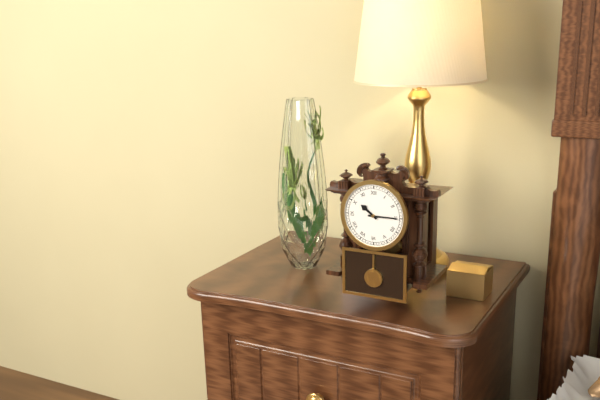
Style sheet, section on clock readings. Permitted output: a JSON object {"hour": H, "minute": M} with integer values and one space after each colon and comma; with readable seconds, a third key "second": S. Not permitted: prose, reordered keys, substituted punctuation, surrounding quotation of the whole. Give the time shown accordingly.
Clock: {"hour": 10, "minute": 15}
